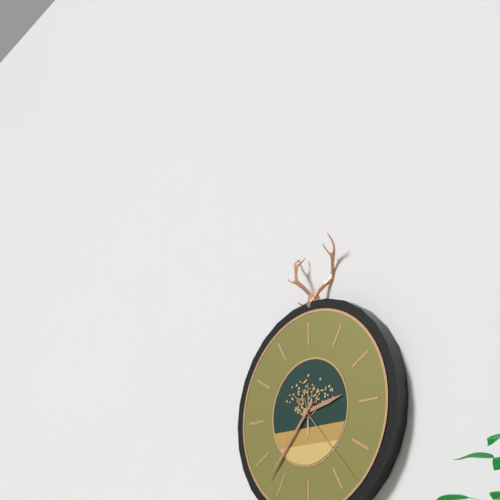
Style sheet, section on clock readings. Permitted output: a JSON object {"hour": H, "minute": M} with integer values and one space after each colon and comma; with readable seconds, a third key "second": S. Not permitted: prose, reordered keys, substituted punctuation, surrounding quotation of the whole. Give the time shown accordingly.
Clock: {"hour": 2, "minute": 37, "second": 23}
